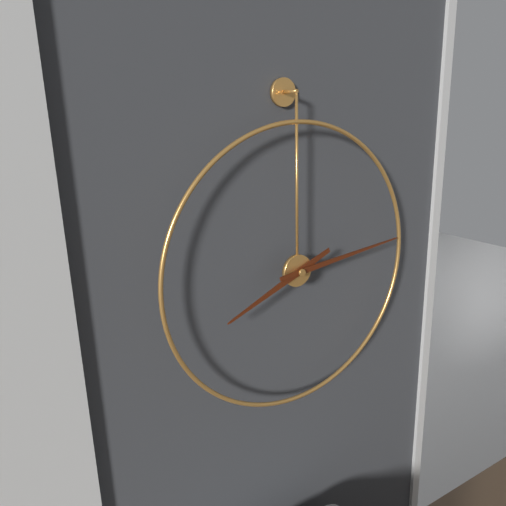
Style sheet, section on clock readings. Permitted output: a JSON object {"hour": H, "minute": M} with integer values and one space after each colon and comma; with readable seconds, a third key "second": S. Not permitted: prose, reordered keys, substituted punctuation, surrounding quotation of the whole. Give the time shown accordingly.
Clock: {"hour": 8, "minute": 14}
